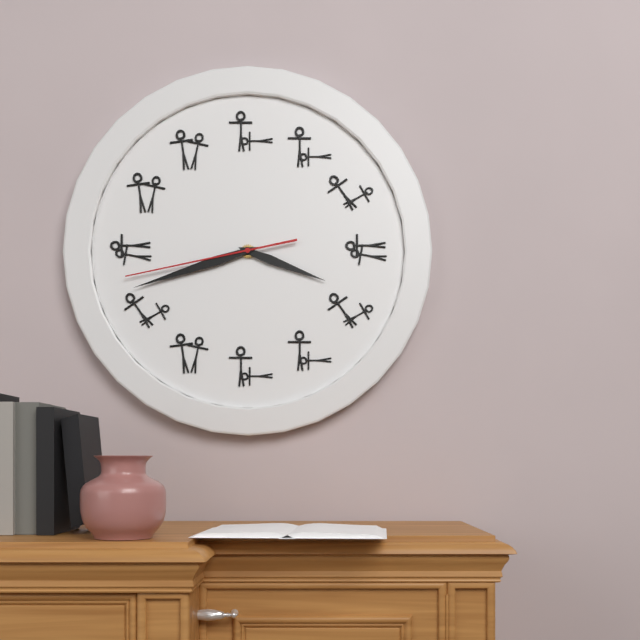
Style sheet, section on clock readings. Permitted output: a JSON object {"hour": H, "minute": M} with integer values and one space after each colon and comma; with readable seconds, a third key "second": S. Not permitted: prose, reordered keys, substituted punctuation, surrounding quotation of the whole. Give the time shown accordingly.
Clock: {"hour": 3, "minute": 42, "second": 43}
